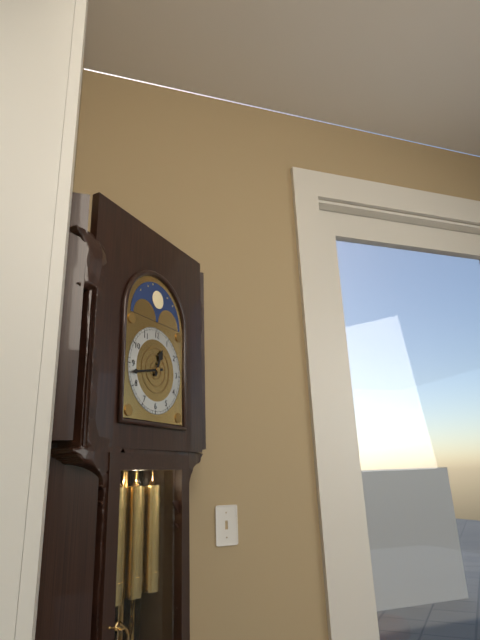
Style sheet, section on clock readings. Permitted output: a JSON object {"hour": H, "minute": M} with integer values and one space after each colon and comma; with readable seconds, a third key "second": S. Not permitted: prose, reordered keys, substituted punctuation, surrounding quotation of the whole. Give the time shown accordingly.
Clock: {"hour": 12, "minute": 43}
